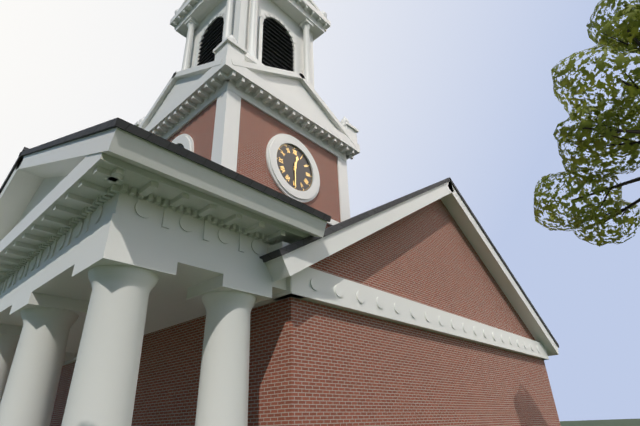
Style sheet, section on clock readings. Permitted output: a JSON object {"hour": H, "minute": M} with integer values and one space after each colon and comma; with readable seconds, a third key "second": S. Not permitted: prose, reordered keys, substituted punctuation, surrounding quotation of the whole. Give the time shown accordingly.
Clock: {"hour": 12, "minute": 30}
